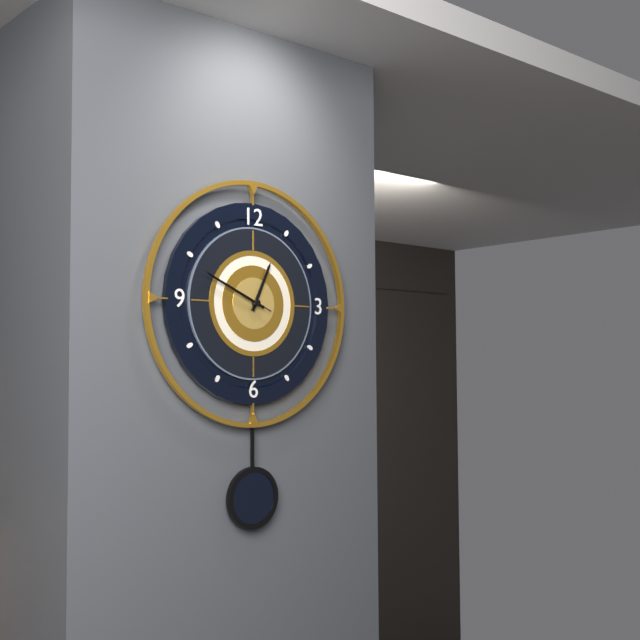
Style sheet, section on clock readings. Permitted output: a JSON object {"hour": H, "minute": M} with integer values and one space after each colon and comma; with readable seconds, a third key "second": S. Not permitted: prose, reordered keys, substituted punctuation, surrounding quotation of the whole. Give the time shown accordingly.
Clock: {"hour": 12, "minute": 49, "second": 49}
